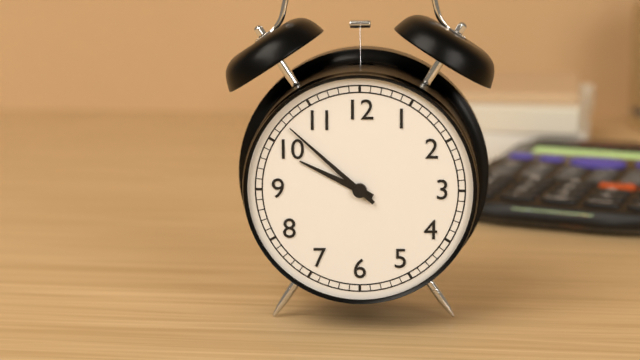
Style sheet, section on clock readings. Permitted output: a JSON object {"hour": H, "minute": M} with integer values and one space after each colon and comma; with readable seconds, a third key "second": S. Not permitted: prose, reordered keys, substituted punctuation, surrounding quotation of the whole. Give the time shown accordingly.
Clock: {"hour": 9, "minute": 52}
